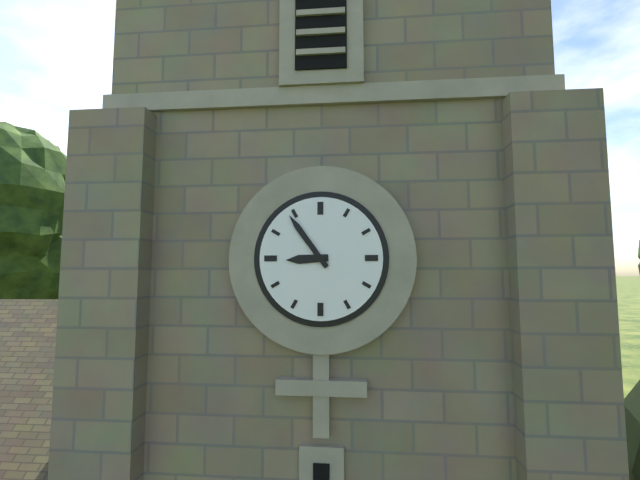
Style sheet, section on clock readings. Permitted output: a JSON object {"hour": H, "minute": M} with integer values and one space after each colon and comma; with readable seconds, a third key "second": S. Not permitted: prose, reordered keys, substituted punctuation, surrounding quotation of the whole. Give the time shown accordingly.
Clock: {"hour": 8, "minute": 54}
